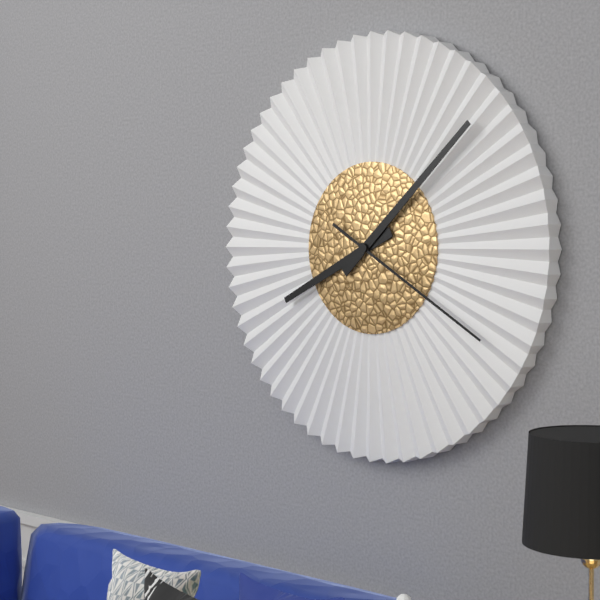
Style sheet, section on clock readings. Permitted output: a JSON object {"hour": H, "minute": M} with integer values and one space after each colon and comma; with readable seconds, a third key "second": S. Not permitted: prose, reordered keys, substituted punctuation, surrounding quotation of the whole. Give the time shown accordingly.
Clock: {"hour": 8, "minute": 8, "second": 20}
